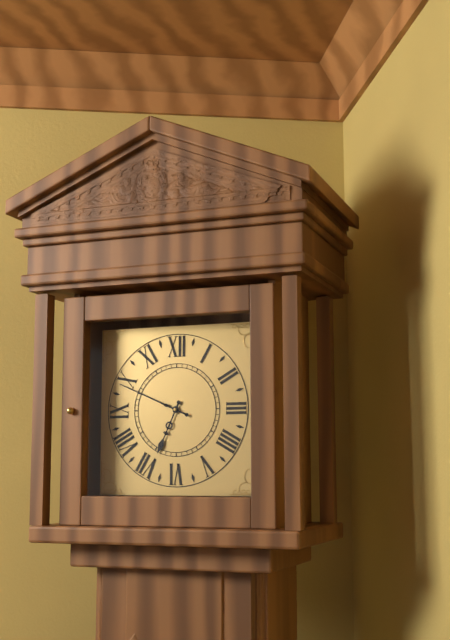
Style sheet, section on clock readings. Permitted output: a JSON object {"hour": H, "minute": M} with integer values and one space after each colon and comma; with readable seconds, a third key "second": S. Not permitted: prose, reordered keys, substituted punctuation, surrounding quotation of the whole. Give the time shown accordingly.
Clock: {"hour": 6, "minute": 49}
